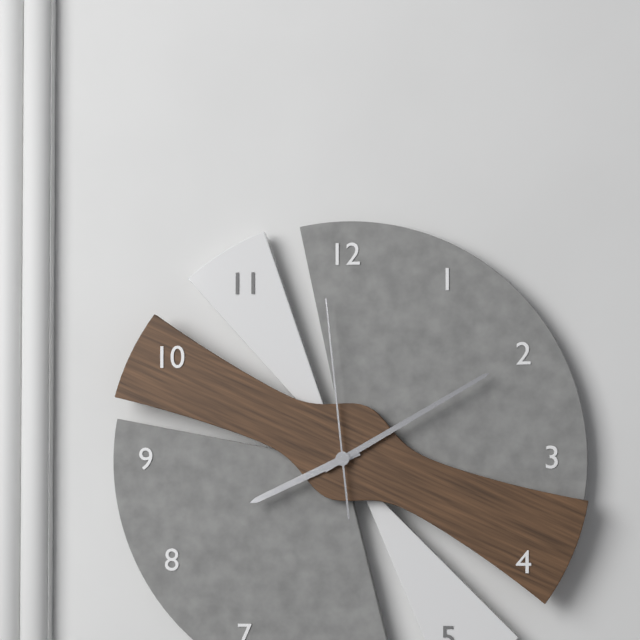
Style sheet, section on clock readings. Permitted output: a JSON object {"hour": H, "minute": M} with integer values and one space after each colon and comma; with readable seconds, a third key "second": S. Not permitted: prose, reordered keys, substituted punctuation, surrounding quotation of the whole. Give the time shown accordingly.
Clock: {"hour": 8, "minute": 10, "second": 59}
